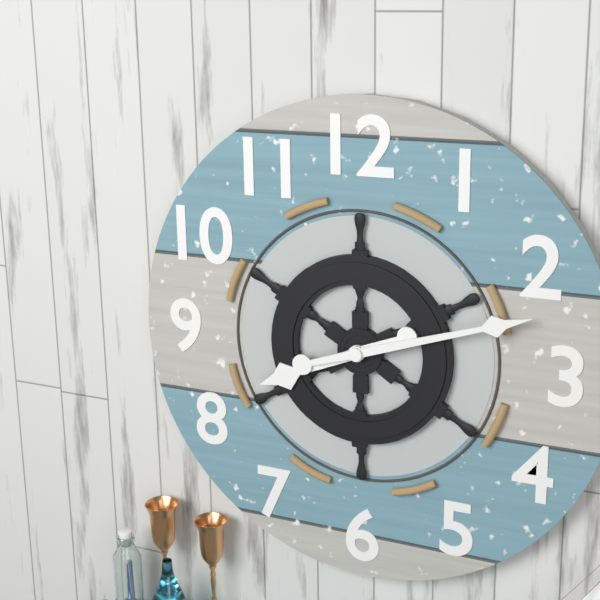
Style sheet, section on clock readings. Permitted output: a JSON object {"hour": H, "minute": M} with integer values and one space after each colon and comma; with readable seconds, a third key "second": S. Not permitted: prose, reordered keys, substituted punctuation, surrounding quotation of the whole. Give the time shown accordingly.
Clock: {"hour": 8, "minute": 12}
